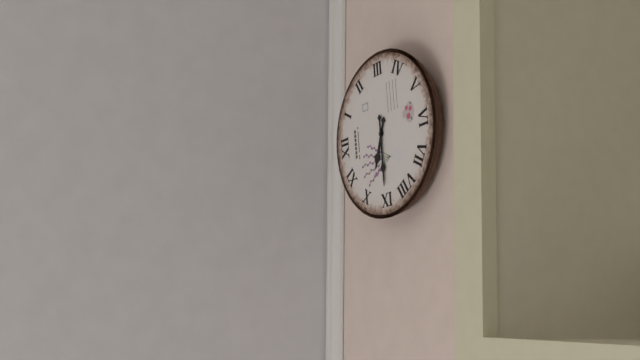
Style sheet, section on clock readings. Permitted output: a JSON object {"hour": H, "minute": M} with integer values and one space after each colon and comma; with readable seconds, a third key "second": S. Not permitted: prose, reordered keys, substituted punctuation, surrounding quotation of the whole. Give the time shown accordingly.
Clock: {"hour": 9, "minute": 45}
